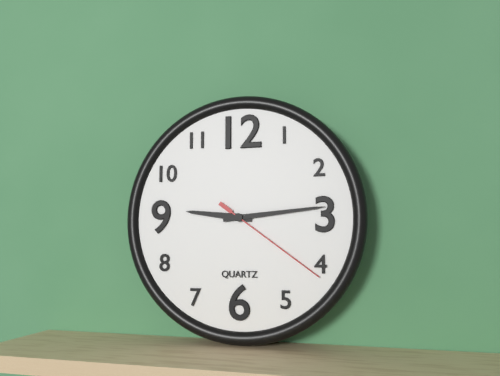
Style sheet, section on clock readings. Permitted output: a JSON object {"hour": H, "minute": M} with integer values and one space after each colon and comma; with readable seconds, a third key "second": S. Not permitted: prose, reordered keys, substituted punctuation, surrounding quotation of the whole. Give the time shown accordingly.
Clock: {"hour": 9, "minute": 14, "second": 21}
